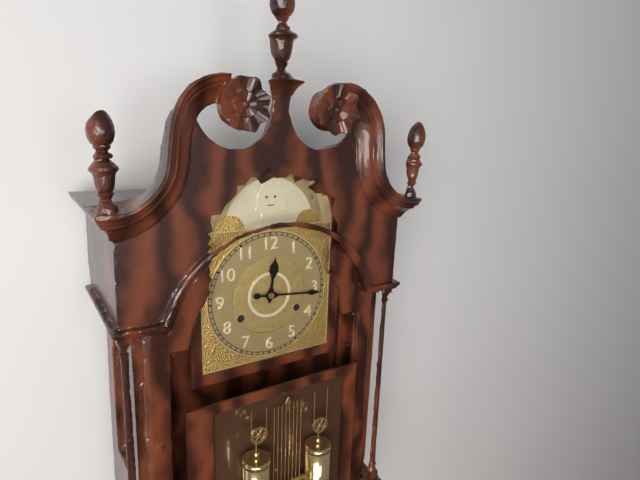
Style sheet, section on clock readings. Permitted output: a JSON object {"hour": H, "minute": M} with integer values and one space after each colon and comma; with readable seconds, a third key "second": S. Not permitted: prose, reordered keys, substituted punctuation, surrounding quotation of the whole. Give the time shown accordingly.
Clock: {"hour": 12, "minute": 16}
